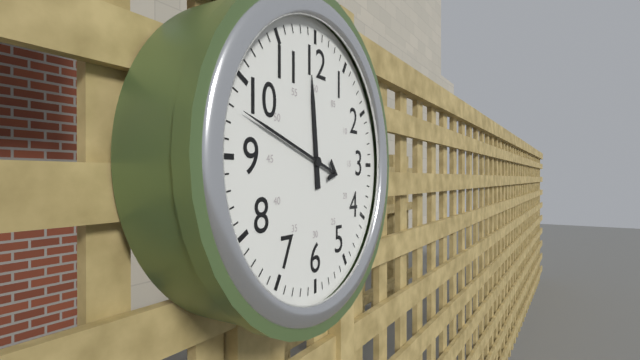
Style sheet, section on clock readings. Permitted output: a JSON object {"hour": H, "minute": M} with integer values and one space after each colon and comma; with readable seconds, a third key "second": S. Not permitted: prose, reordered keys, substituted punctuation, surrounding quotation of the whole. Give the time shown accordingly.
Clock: {"hour": 11, "minute": 48}
